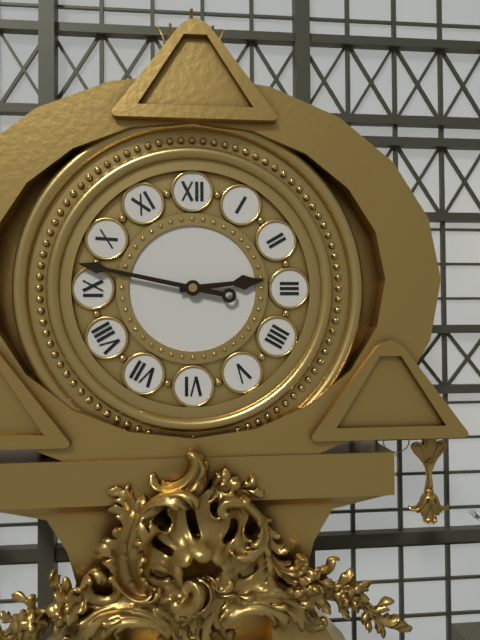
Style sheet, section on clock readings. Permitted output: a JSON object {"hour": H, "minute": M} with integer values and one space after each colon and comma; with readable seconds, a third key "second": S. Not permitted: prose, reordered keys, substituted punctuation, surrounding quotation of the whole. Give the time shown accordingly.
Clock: {"hour": 2, "minute": 47}
